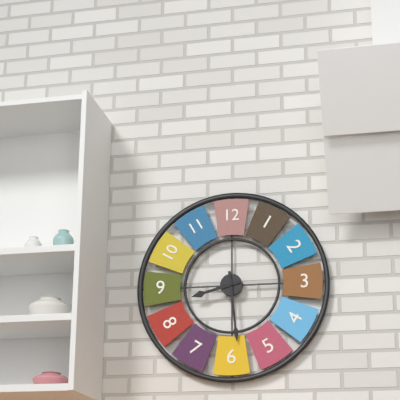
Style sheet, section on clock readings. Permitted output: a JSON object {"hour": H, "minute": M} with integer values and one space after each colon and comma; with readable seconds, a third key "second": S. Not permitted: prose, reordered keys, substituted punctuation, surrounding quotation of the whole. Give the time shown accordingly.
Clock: {"hour": 8, "minute": 29}
